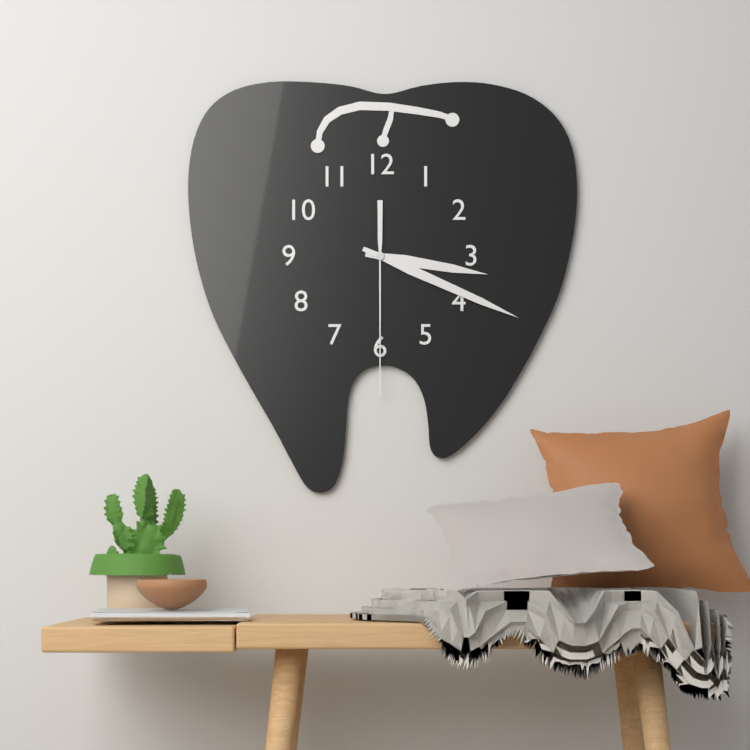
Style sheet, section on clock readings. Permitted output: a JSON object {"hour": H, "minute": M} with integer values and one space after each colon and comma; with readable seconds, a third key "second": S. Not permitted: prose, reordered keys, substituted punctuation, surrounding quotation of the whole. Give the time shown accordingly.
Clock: {"hour": 3, "minute": 19, "second": 30}
